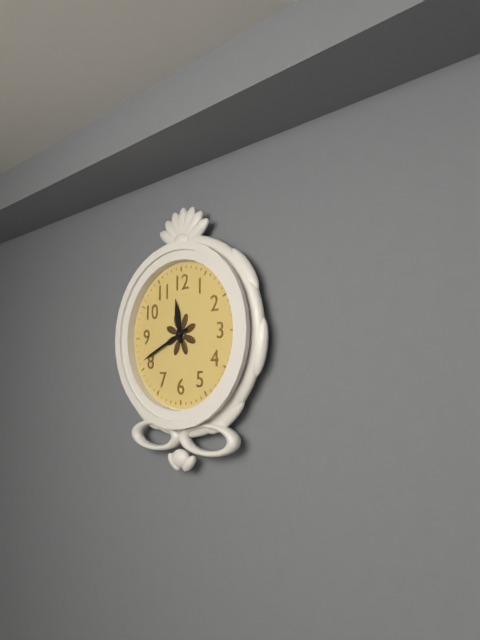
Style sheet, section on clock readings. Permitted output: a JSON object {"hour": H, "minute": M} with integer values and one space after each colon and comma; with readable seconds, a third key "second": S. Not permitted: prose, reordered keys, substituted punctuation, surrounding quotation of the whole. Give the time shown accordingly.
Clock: {"hour": 11, "minute": 41}
